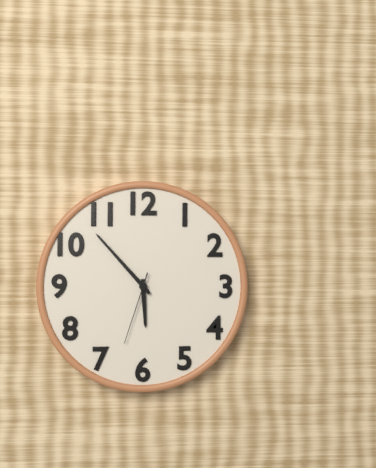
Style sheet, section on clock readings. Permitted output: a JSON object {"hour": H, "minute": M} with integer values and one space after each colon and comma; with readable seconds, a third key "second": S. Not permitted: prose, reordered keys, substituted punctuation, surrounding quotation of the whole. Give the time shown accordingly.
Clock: {"hour": 5, "minute": 53, "second": 33}
